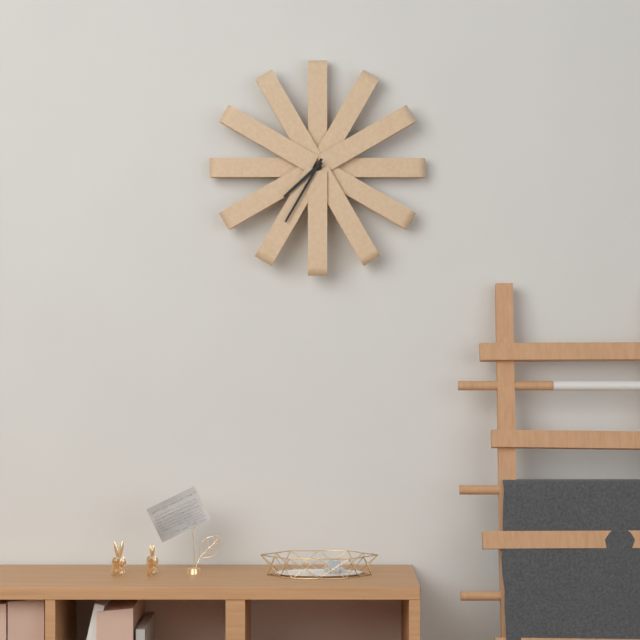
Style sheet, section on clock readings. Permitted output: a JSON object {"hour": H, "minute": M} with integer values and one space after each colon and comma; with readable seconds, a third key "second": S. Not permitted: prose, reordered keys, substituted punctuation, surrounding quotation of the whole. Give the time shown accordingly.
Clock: {"hour": 7, "minute": 35}
